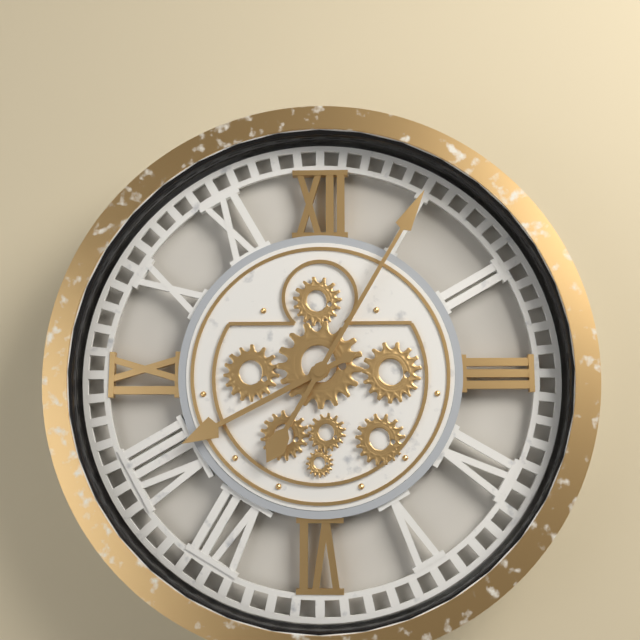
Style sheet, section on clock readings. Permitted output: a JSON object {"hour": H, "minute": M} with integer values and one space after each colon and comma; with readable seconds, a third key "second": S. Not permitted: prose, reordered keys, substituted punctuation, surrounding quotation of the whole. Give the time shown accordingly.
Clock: {"hour": 8, "minute": 5}
